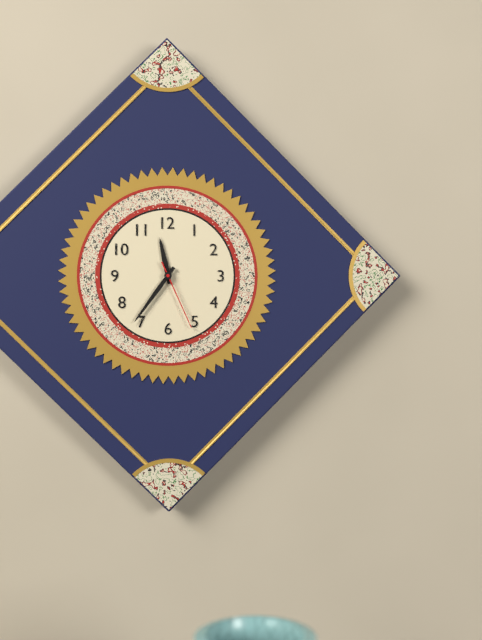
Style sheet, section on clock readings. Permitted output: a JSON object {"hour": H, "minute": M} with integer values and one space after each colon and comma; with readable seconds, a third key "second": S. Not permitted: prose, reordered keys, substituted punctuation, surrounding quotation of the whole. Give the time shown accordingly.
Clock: {"hour": 11, "minute": 36, "second": 26}
